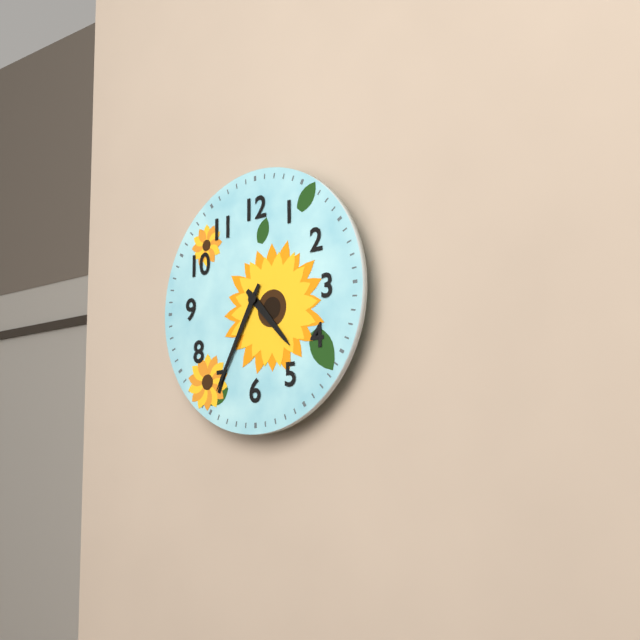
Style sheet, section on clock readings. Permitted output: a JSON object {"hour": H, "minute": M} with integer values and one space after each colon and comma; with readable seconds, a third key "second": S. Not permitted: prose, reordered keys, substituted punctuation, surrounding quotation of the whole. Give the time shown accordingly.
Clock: {"hour": 4, "minute": 35}
